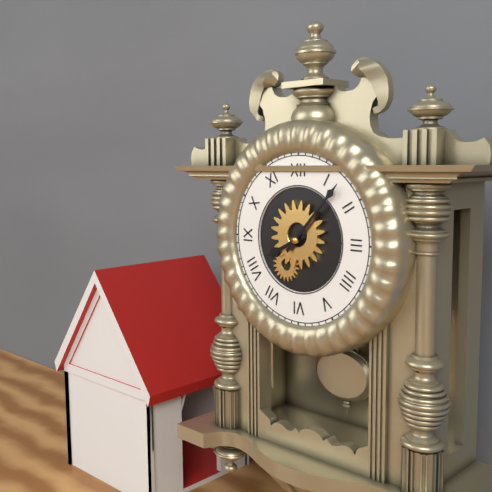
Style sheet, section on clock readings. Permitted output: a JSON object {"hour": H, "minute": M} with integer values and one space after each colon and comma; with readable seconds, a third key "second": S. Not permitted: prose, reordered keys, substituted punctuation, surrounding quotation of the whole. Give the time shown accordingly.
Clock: {"hour": 8, "minute": 7}
